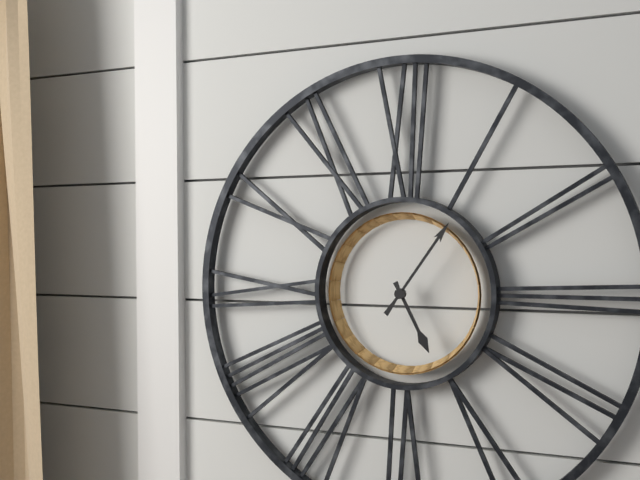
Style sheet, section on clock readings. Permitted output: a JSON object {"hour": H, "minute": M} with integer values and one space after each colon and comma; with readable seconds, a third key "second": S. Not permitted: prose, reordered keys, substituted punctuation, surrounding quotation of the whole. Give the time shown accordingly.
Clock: {"hour": 5, "minute": 6}
